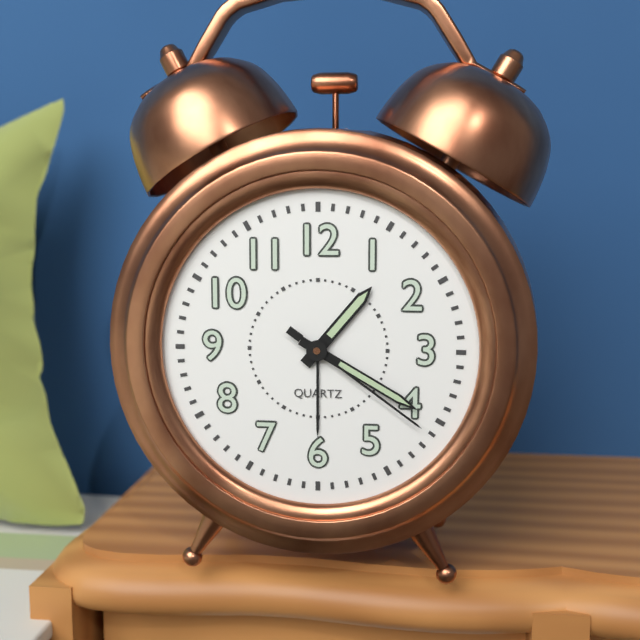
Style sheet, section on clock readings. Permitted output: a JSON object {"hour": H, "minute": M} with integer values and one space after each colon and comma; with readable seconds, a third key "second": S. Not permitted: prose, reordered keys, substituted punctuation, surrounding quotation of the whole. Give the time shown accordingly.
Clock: {"hour": 1, "minute": 20, "second": 21}
